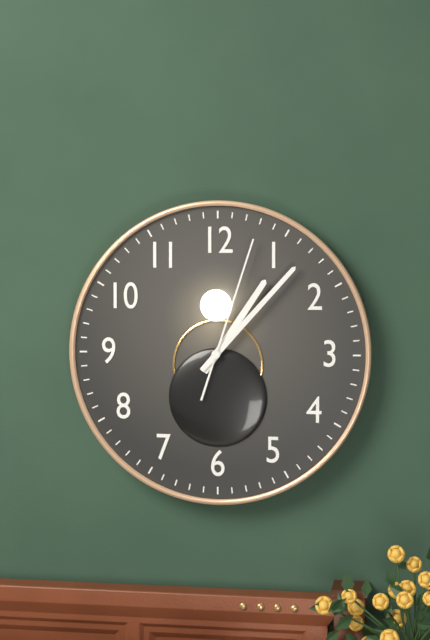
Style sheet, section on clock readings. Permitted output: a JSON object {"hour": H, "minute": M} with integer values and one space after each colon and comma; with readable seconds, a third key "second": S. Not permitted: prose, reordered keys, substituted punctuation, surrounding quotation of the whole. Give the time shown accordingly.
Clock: {"hour": 1, "minute": 7, "second": 3}
